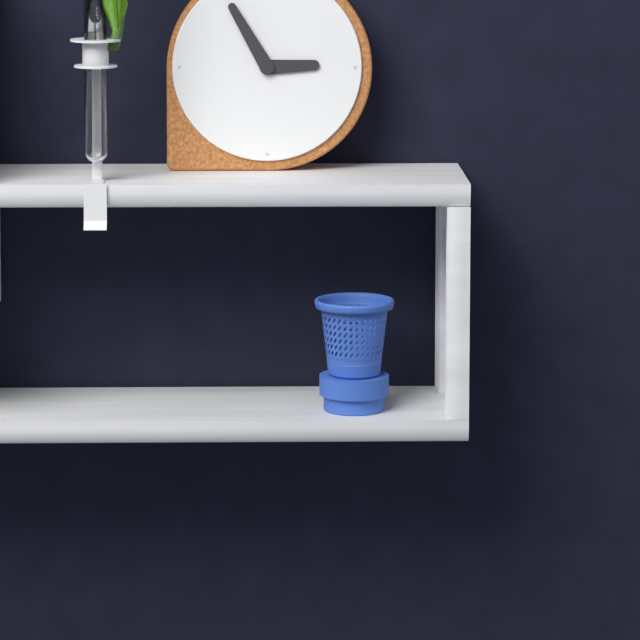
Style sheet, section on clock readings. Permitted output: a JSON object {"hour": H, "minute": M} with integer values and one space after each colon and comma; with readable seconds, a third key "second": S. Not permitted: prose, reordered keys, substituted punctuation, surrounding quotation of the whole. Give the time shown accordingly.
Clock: {"hour": 2, "minute": 55}
